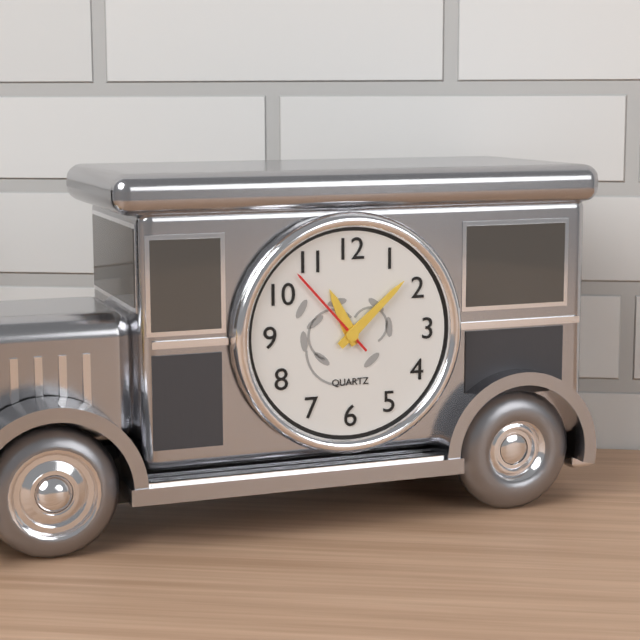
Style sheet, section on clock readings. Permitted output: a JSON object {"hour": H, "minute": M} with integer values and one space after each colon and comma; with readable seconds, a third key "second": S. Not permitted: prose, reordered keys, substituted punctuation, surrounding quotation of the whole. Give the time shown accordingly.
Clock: {"hour": 11, "minute": 8, "second": 53}
